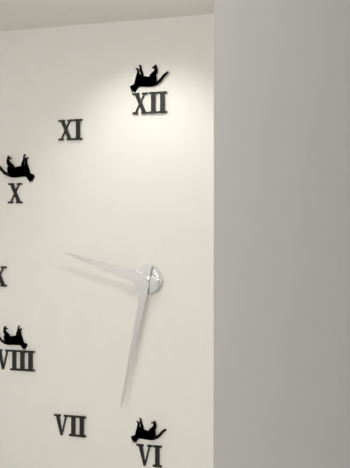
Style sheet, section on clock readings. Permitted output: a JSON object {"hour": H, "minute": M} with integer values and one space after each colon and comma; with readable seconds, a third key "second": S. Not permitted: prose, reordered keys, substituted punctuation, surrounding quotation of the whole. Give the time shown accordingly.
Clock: {"hour": 9, "minute": 32}
